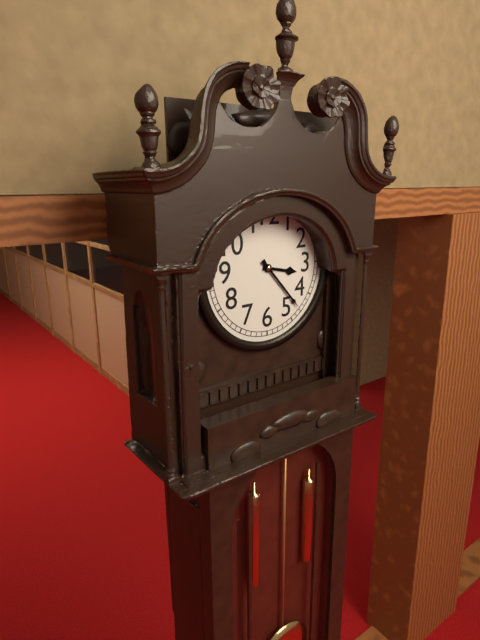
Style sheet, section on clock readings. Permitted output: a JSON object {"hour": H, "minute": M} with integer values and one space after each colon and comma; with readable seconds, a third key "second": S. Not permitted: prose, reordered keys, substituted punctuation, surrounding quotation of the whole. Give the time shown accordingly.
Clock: {"hour": 3, "minute": 23}
